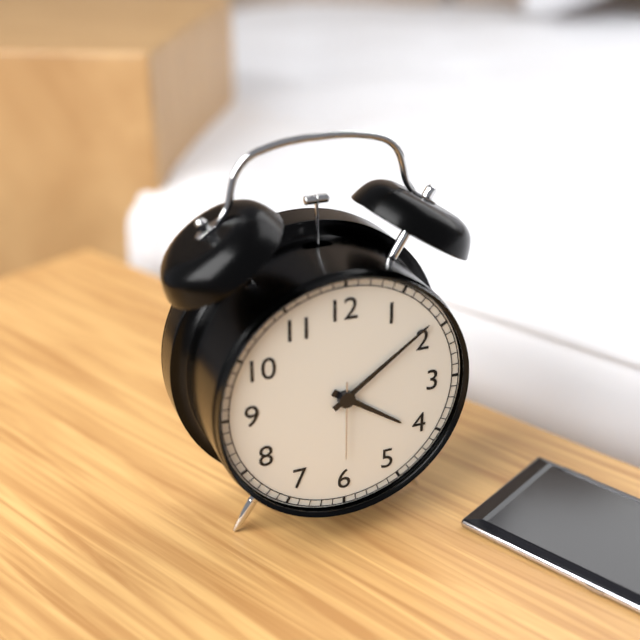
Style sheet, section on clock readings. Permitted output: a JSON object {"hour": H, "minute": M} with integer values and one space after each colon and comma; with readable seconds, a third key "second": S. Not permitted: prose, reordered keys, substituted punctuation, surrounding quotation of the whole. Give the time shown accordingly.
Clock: {"hour": 4, "minute": 9, "second": 30}
